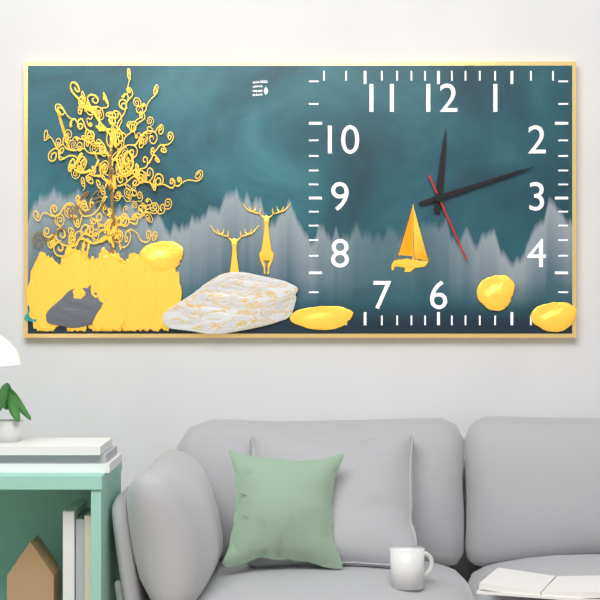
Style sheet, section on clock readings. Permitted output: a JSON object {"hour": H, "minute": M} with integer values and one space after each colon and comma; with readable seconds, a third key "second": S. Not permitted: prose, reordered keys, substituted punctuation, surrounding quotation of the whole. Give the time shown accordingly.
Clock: {"hour": 12, "minute": 12, "second": 26}
